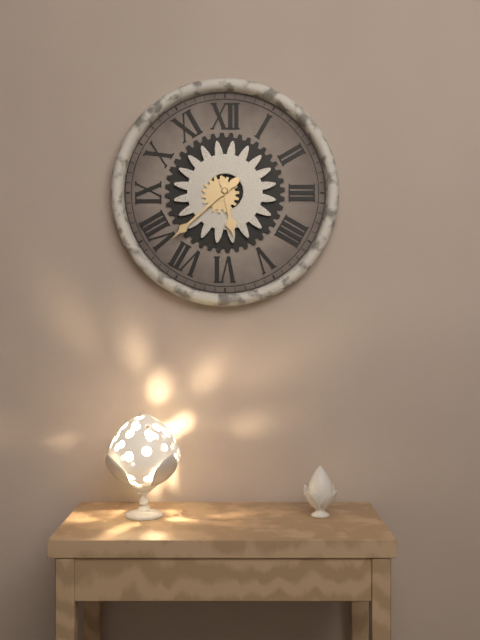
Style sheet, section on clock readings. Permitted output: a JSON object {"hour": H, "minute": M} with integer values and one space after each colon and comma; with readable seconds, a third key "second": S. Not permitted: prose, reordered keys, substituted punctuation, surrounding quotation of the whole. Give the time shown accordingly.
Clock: {"hour": 5, "minute": 38}
